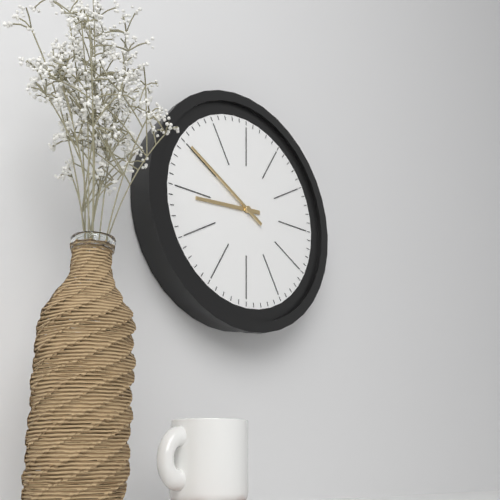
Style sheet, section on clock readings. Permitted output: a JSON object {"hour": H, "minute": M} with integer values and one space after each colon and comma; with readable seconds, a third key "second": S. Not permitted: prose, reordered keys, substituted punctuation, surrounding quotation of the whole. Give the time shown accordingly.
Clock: {"hour": 8, "minute": 50}
